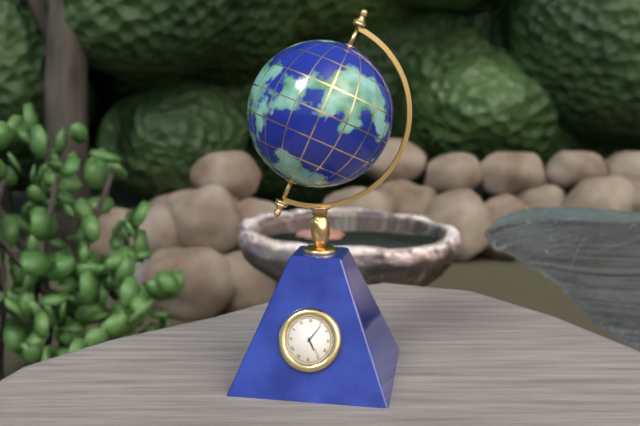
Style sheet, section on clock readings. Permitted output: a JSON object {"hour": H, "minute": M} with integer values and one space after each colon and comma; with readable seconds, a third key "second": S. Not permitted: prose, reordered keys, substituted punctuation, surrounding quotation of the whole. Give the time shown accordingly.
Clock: {"hour": 5, "minute": 6}
